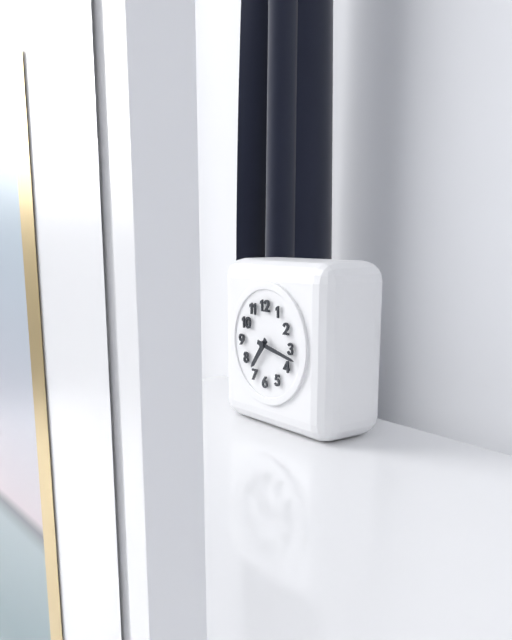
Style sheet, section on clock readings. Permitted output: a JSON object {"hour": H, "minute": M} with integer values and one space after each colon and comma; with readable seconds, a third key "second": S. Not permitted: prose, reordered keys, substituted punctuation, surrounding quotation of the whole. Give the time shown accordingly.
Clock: {"hour": 7, "minute": 17}
